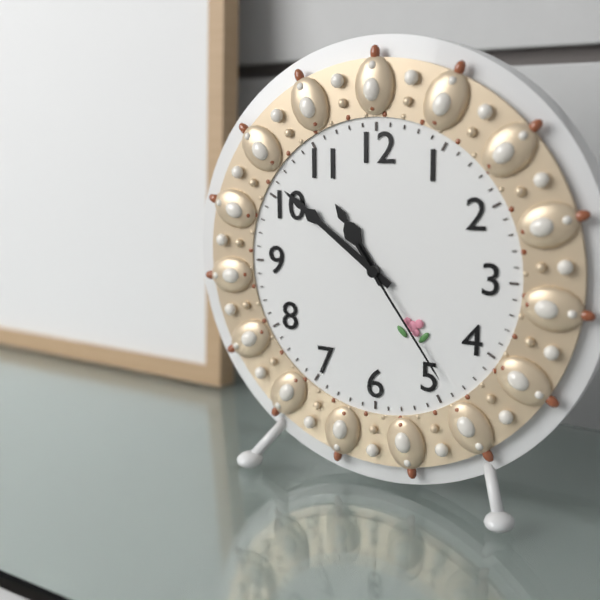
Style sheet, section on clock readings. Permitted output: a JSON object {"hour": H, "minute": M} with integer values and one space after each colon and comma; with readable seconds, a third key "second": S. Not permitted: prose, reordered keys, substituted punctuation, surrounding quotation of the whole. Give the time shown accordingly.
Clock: {"hour": 10, "minute": 51, "second": 24}
